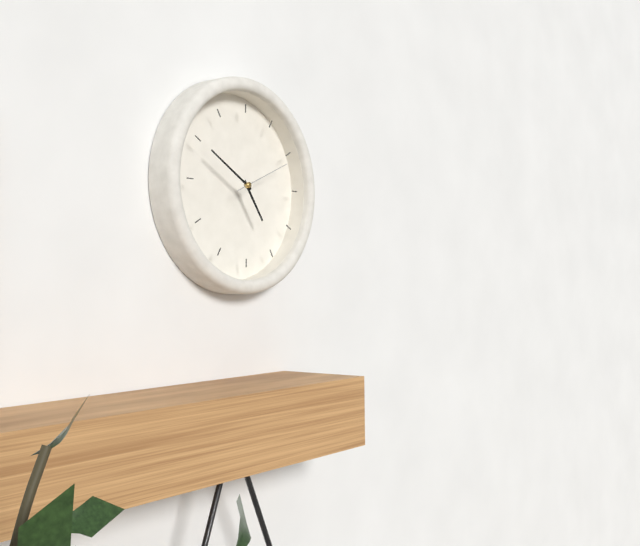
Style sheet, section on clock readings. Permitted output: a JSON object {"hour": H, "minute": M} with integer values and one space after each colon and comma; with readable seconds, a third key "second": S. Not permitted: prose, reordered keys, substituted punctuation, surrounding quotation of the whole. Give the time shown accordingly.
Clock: {"hour": 4, "minute": 50, "second": 11}
